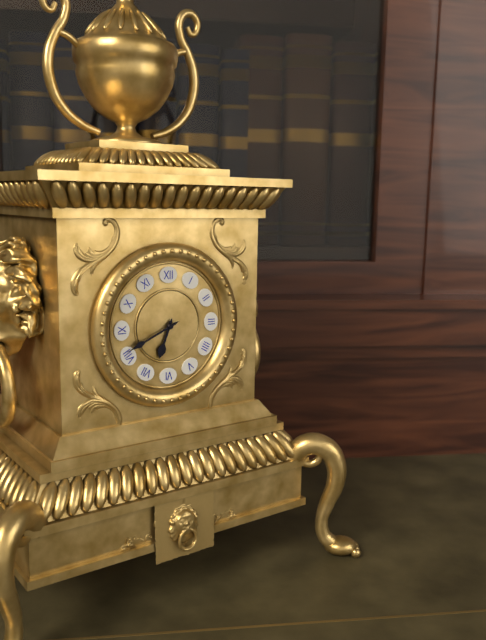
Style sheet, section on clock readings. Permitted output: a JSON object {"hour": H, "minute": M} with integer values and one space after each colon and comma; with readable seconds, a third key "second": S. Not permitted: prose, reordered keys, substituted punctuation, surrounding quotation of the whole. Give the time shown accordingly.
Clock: {"hour": 6, "minute": 41}
